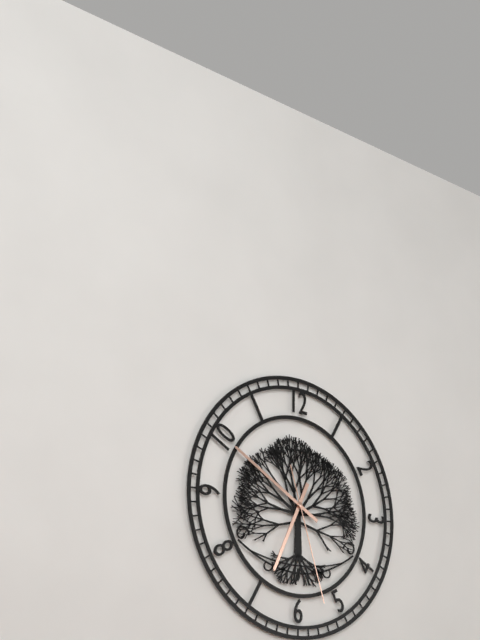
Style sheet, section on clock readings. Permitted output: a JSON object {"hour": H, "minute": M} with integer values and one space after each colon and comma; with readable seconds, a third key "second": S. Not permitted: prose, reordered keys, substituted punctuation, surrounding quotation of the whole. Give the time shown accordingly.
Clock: {"hour": 6, "minute": 50, "second": 27}
